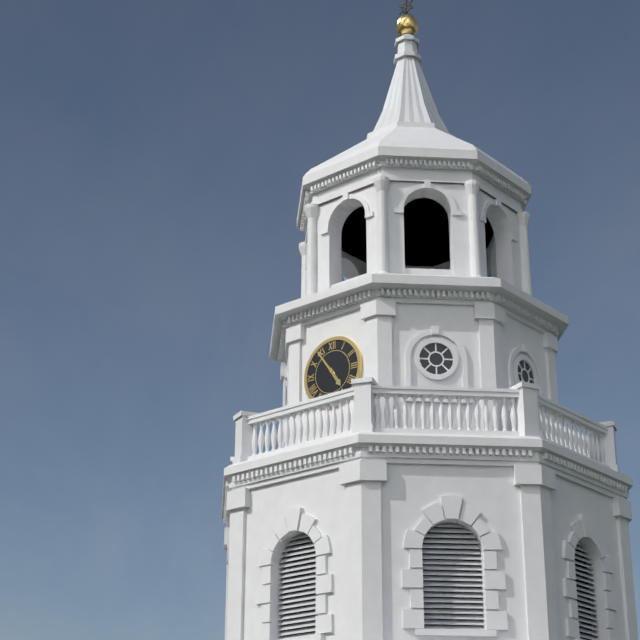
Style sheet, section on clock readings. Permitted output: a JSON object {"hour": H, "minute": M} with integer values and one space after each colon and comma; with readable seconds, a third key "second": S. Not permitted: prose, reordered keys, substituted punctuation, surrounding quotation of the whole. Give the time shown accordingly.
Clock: {"hour": 4, "minute": 54}
